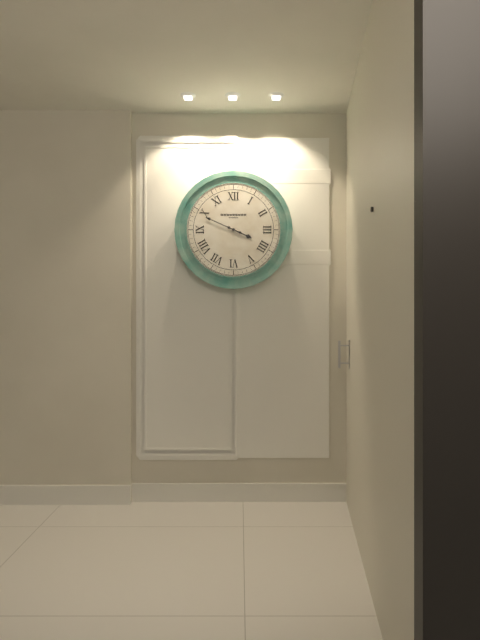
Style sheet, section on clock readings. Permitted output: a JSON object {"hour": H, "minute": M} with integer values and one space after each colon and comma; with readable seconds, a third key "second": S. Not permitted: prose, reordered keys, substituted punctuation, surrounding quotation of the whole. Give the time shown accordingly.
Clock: {"hour": 3, "minute": 49}
